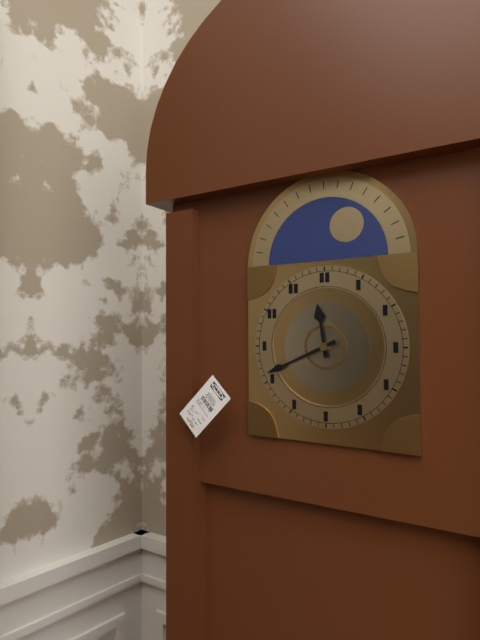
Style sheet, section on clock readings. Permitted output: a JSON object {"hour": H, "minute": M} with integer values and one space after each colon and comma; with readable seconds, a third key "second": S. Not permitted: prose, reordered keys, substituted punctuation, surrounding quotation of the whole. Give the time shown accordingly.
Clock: {"hour": 11, "minute": 41}
